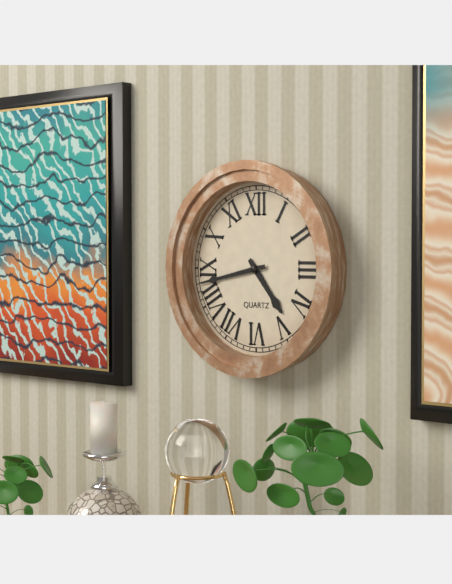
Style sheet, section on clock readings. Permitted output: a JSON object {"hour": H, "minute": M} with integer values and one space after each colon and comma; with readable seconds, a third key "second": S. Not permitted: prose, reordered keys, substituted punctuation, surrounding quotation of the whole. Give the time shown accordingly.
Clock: {"hour": 4, "minute": 43}
